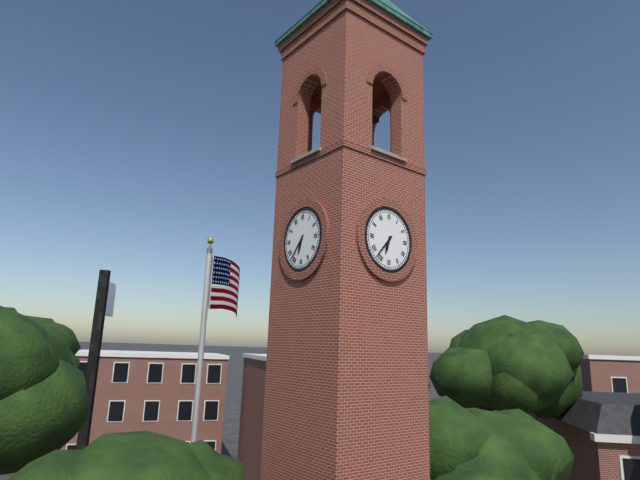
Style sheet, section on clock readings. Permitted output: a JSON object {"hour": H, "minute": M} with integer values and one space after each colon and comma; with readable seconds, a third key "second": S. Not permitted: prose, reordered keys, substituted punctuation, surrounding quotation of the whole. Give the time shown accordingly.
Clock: {"hour": 6, "minute": 37}
